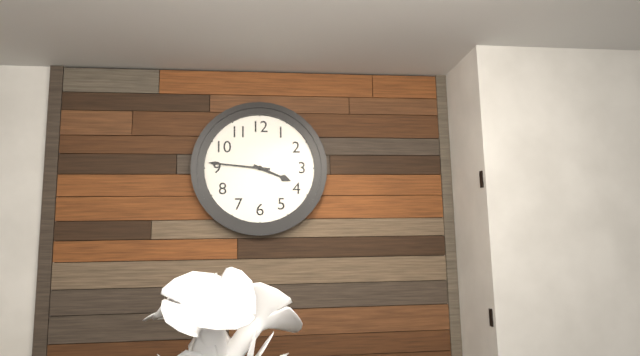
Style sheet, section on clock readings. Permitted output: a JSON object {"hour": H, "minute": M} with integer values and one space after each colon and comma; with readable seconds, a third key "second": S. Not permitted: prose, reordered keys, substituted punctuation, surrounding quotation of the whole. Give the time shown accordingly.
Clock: {"hour": 3, "minute": 46}
